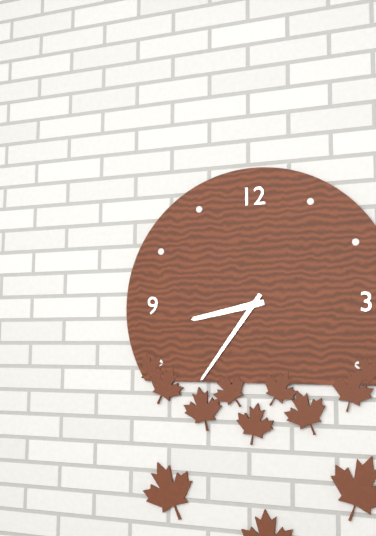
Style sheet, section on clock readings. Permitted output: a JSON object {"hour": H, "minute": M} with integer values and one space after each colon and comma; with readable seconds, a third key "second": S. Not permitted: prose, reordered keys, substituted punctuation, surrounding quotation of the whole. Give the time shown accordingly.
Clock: {"hour": 8, "minute": 36}
